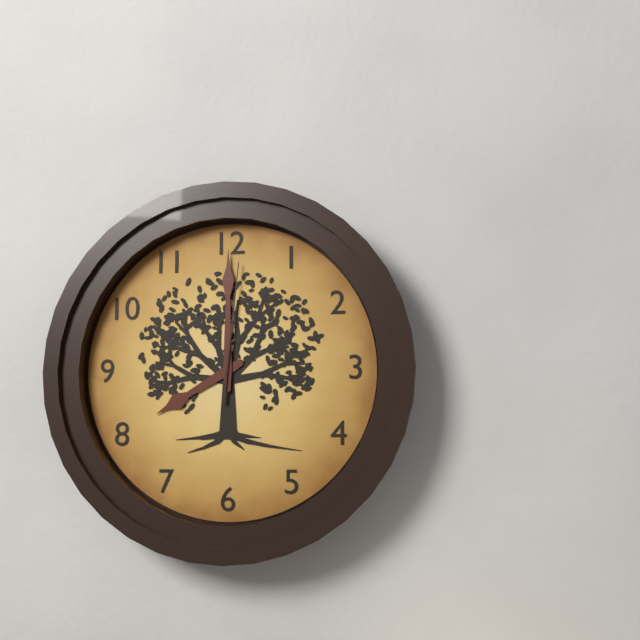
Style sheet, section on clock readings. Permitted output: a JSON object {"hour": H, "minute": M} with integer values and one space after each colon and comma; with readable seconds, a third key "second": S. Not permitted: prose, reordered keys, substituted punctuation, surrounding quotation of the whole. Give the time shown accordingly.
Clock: {"hour": 8, "minute": 0, "second": 1}
